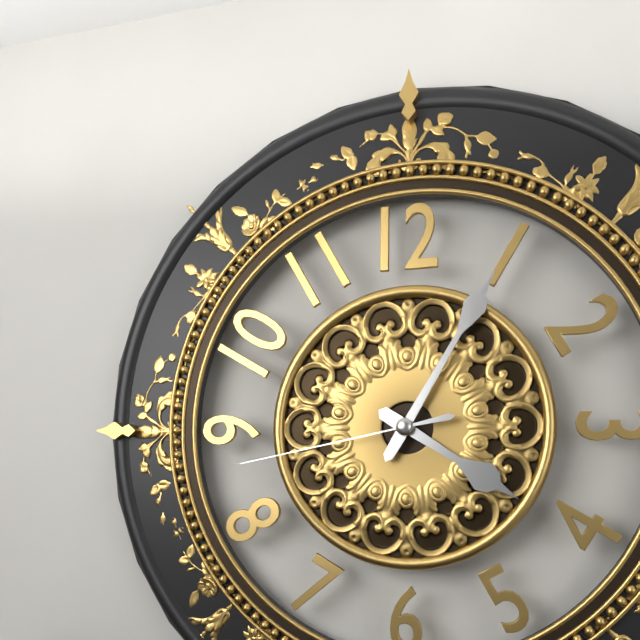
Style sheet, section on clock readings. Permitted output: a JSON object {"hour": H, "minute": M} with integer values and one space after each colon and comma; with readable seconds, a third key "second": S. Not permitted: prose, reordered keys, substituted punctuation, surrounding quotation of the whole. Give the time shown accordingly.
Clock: {"hour": 4, "minute": 5, "second": 43}
